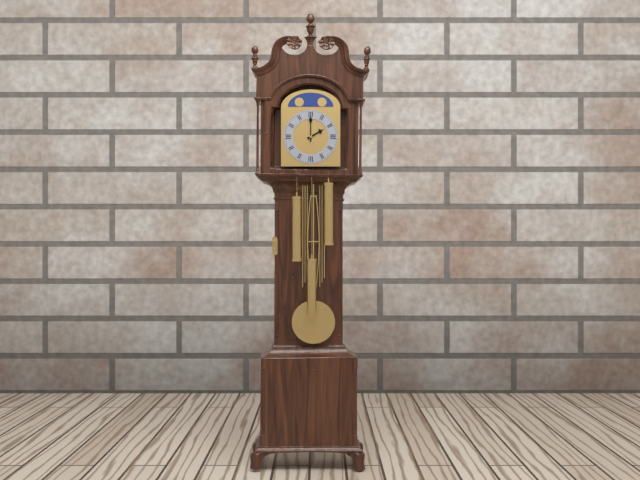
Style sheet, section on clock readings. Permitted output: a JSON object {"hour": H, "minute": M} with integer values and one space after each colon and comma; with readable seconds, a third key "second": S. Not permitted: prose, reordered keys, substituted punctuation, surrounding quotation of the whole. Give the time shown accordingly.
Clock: {"hour": 2, "minute": 0}
